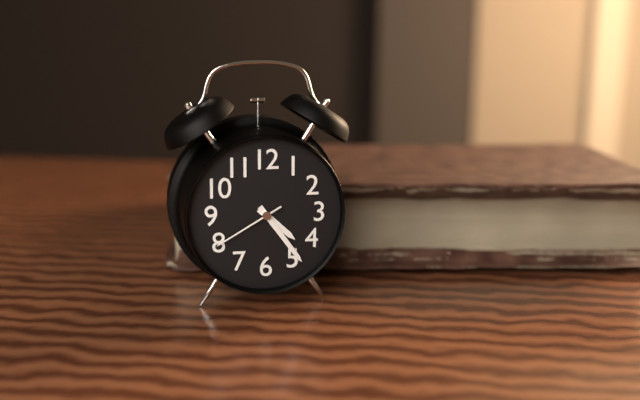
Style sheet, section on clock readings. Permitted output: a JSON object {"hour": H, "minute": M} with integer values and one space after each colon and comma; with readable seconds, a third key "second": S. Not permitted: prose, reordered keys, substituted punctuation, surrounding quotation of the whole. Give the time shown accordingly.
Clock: {"hour": 4, "minute": 24, "second": 40}
